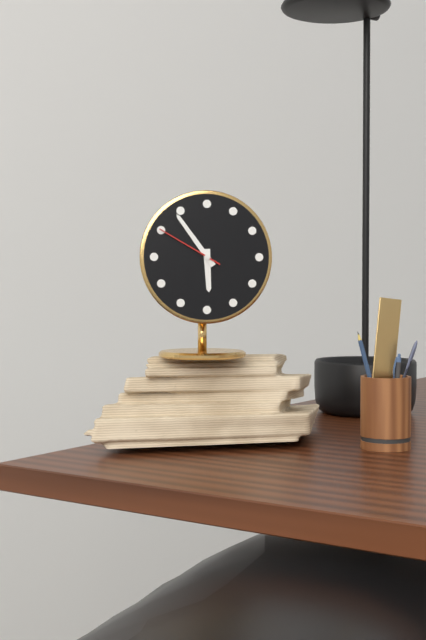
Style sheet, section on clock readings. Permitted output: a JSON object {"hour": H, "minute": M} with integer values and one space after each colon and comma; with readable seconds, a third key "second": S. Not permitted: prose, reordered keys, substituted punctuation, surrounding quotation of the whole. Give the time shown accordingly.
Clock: {"hour": 5, "minute": 54, "second": 50}
